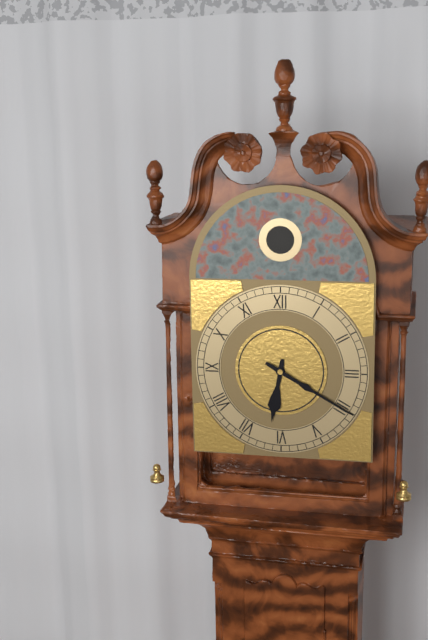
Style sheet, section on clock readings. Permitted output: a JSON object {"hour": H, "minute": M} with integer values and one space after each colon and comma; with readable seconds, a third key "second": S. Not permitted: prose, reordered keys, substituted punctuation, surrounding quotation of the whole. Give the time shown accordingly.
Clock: {"hour": 6, "minute": 20}
